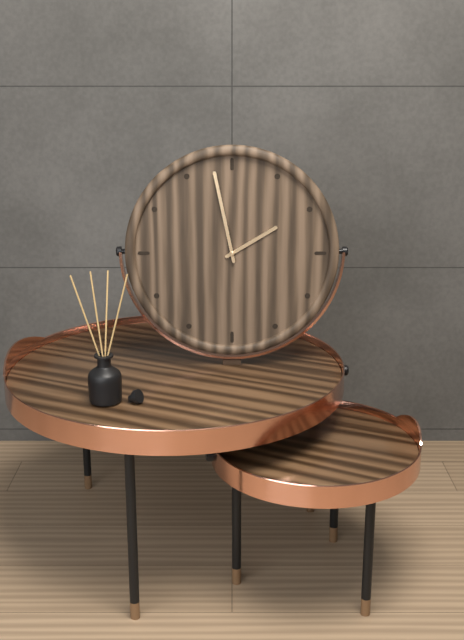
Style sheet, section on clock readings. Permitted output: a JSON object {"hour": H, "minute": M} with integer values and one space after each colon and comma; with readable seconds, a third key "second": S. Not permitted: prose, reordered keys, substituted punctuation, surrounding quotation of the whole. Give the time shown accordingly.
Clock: {"hour": 1, "minute": 58}
